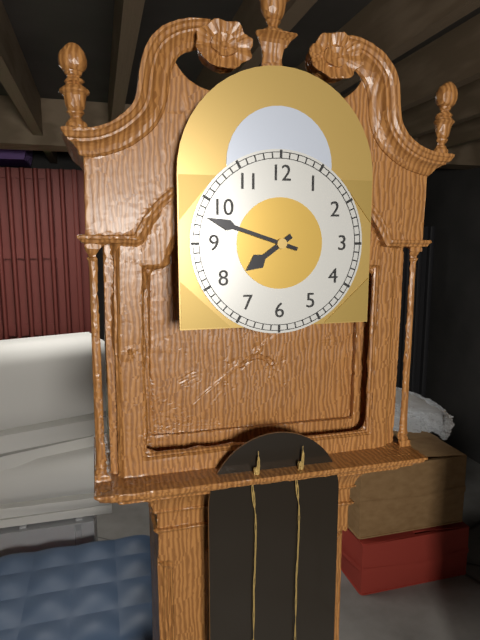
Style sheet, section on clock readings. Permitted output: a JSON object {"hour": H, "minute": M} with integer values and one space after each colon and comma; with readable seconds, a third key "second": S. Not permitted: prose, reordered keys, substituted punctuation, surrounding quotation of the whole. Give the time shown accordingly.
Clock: {"hour": 7, "minute": 48}
